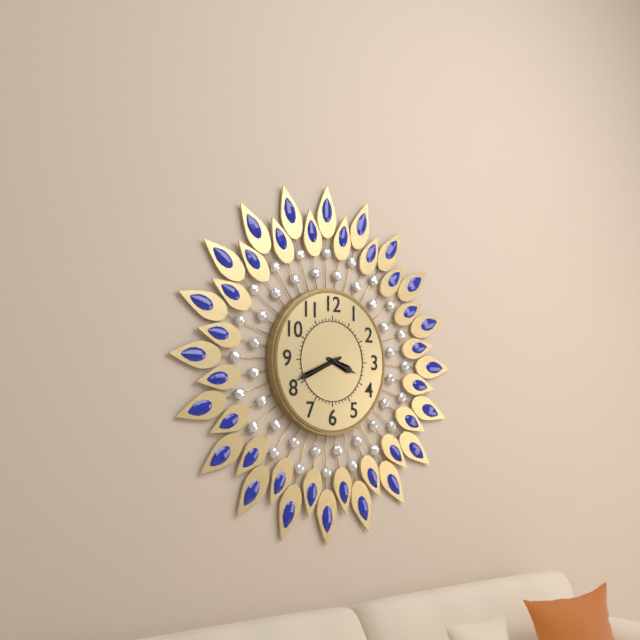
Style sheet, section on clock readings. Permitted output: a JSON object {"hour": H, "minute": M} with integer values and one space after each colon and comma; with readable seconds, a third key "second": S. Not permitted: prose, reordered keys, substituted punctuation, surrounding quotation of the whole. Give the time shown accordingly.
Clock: {"hour": 3, "minute": 41}
